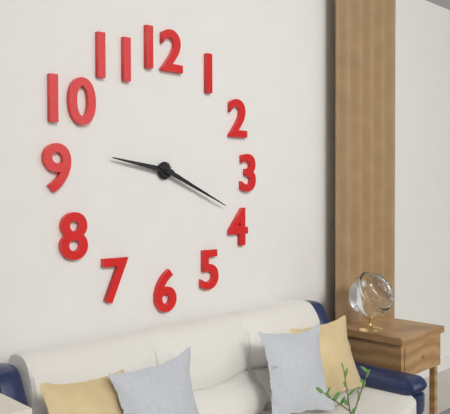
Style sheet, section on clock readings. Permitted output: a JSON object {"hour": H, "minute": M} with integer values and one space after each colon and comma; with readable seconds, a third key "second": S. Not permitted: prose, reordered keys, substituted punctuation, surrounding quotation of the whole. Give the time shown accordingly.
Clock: {"hour": 9, "minute": 19}
